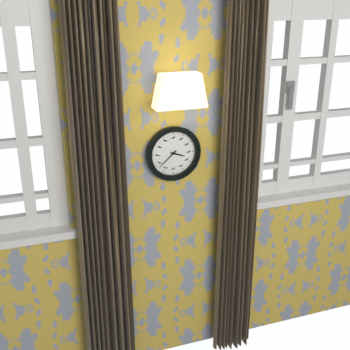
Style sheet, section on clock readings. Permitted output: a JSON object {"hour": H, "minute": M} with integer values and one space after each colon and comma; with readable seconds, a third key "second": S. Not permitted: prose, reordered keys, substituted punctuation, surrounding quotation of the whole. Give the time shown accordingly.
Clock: {"hour": 3, "minute": 38}
